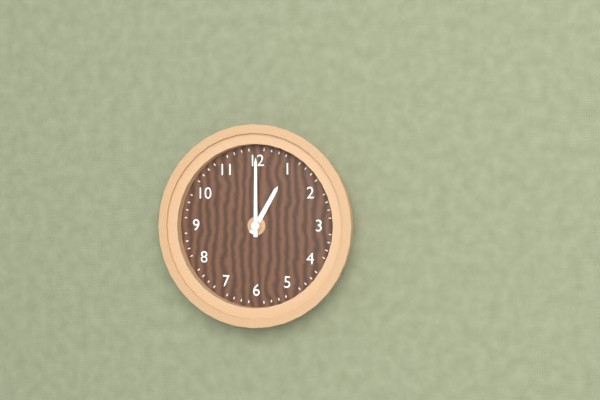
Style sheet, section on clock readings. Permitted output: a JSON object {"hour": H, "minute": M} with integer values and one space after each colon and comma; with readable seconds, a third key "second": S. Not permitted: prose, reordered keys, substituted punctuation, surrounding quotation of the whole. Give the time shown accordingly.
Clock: {"hour": 1, "minute": 0}
